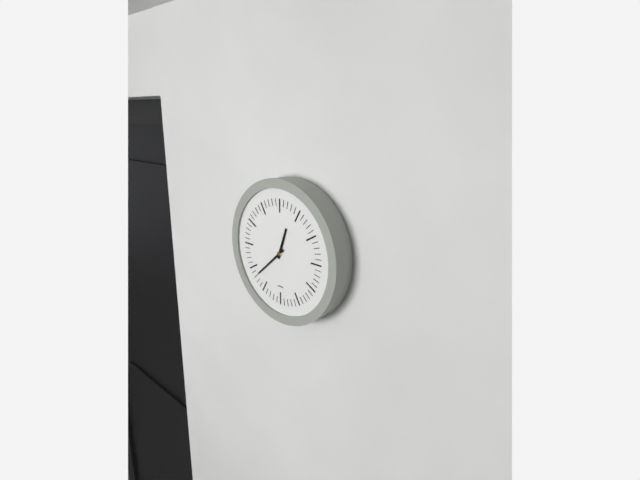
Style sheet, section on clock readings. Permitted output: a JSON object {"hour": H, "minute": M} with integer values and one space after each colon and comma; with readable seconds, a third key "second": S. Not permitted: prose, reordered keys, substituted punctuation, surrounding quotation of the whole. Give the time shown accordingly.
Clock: {"hour": 12, "minute": 38}
